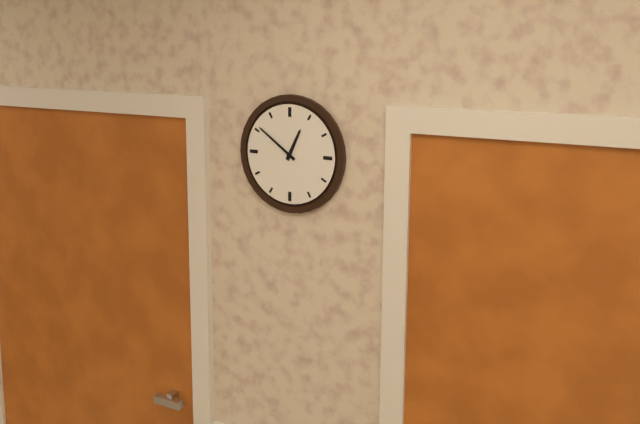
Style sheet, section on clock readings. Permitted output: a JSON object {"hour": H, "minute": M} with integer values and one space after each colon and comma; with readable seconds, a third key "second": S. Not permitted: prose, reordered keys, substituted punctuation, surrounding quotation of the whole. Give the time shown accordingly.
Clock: {"hour": 12, "minute": 51}
